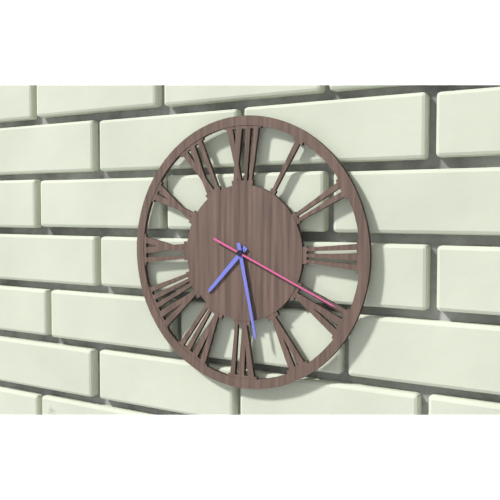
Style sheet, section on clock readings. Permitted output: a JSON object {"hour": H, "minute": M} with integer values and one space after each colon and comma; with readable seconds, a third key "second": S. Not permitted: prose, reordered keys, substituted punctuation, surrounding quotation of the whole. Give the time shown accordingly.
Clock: {"hour": 7, "minute": 28, "second": 19}
